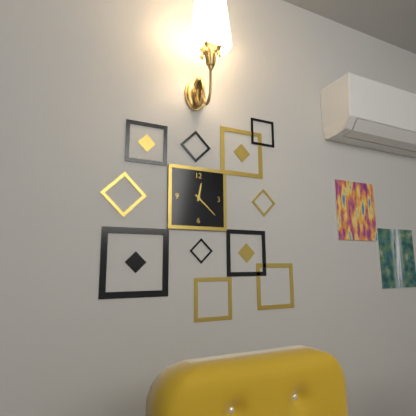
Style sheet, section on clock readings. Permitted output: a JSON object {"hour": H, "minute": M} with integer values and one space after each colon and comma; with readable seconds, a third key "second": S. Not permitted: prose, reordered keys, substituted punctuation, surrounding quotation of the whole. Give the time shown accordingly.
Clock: {"hour": 12, "minute": 22}
